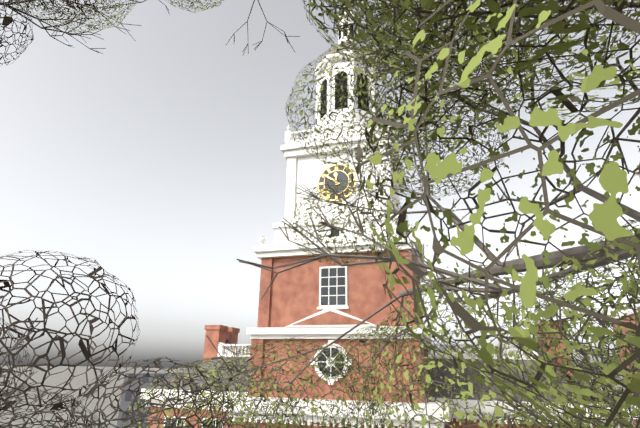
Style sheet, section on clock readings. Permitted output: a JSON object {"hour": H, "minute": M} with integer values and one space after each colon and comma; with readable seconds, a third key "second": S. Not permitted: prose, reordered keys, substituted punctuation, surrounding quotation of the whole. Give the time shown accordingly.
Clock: {"hour": 11, "minute": 51}
